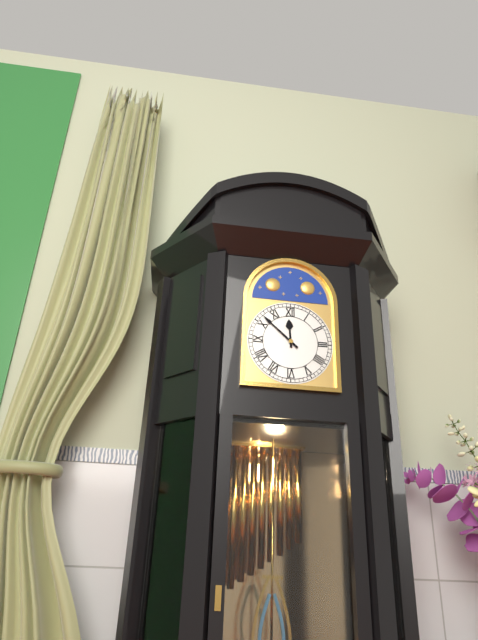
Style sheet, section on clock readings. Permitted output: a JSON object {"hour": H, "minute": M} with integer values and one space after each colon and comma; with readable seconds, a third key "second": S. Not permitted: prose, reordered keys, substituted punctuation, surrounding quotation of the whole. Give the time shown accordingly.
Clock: {"hour": 11, "minute": 52}
